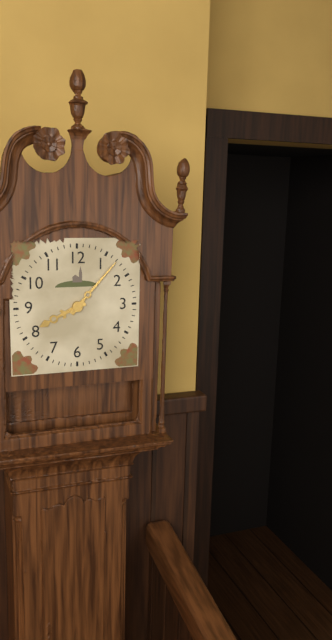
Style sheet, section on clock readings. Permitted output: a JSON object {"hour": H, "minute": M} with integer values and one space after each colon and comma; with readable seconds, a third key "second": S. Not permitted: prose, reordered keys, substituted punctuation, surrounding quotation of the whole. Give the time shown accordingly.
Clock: {"hour": 8, "minute": 7}
